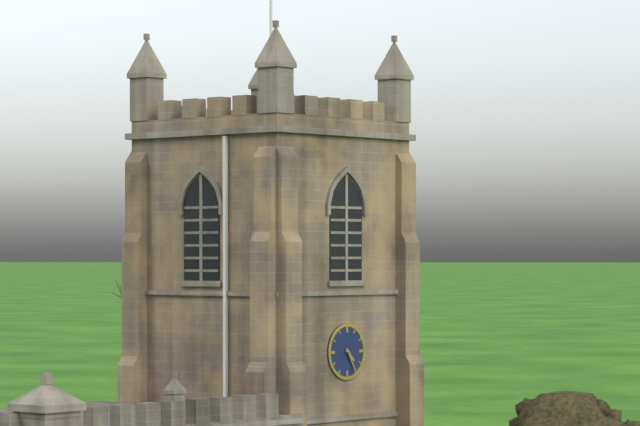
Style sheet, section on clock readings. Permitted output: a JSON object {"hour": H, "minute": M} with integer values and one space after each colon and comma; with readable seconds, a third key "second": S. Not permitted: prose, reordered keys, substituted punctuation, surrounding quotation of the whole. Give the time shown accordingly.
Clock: {"hour": 4, "minute": 25}
